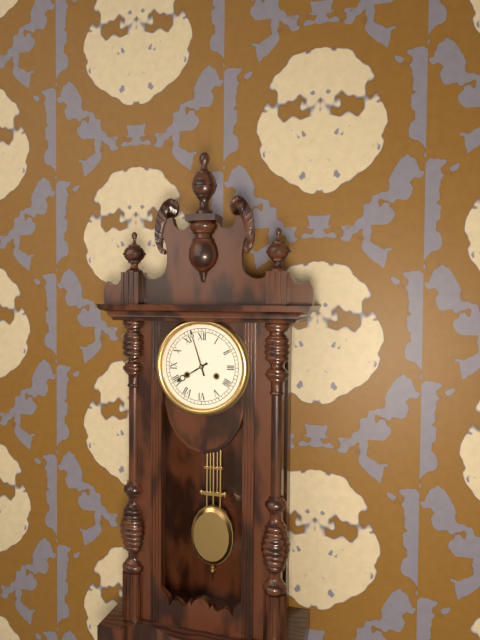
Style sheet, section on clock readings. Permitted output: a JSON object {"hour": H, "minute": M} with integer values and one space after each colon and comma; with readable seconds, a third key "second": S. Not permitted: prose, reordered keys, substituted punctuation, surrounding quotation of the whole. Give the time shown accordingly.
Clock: {"hour": 7, "minute": 57}
